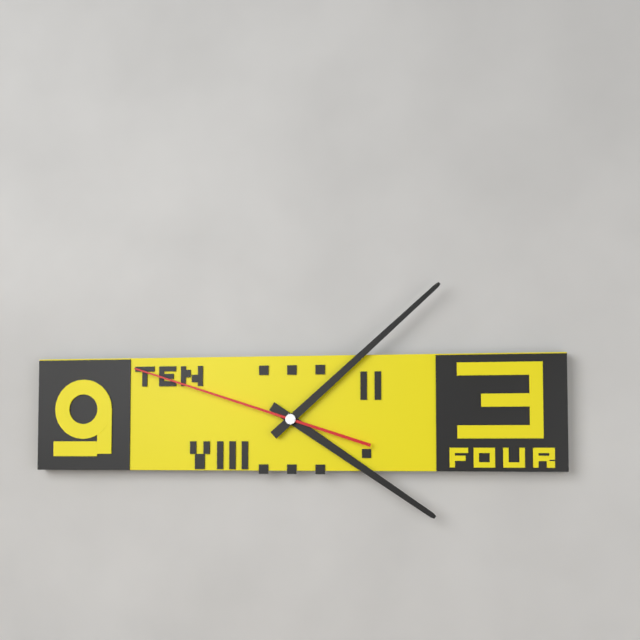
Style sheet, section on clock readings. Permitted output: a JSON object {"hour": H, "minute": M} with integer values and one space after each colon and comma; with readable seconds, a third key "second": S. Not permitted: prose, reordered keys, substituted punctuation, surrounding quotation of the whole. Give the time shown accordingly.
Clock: {"hour": 4, "minute": 8, "second": 48}
